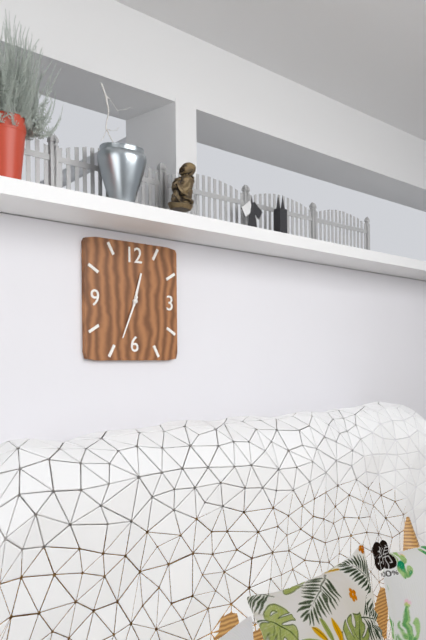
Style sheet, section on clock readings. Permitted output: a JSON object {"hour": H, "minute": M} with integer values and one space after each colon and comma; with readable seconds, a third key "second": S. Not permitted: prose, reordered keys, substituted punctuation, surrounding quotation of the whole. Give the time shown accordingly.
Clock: {"hour": 12, "minute": 34}
